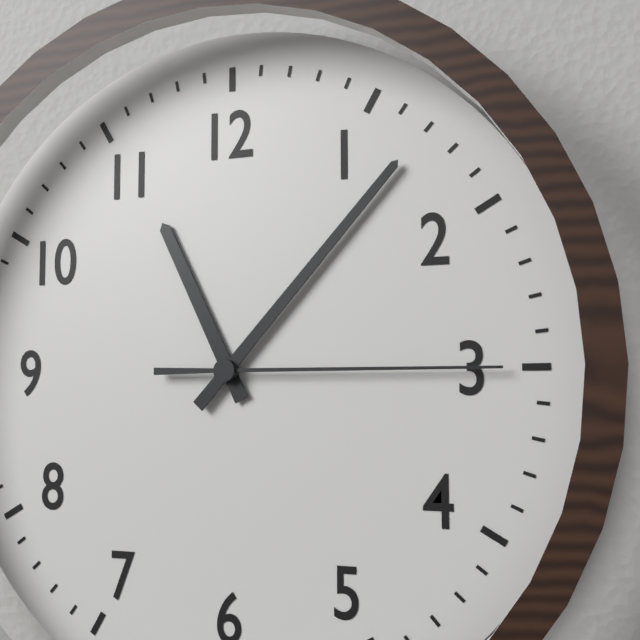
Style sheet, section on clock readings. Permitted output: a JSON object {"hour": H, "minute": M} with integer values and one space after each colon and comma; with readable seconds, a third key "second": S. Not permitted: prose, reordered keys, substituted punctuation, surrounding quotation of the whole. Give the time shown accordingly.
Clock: {"hour": 11, "minute": 7, "second": 15}
